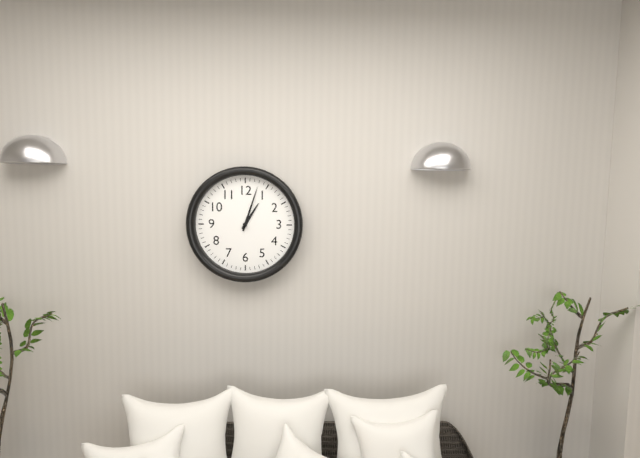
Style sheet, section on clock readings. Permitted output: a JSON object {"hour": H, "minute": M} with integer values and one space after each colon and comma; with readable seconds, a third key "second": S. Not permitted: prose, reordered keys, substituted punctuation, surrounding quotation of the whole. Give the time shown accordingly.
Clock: {"hour": 1, "minute": 3}
